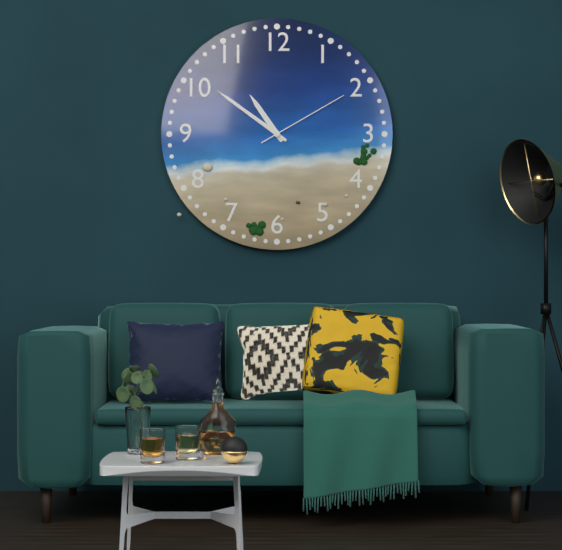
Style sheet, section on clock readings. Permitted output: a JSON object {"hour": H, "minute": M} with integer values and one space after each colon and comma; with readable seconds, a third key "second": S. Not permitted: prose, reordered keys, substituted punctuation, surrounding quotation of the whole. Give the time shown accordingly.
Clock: {"hour": 10, "minute": 51, "second": 10}
